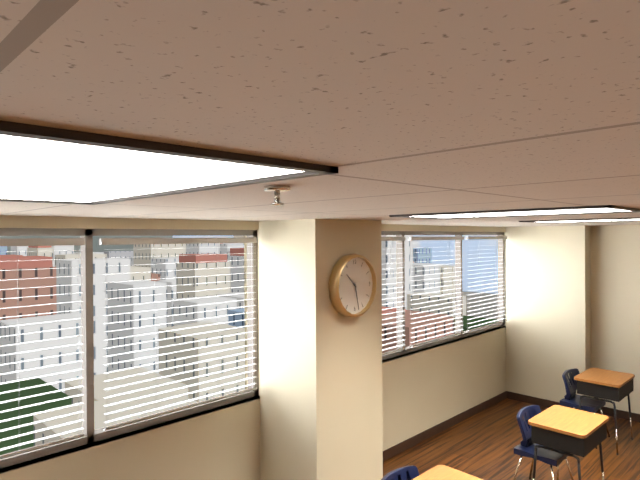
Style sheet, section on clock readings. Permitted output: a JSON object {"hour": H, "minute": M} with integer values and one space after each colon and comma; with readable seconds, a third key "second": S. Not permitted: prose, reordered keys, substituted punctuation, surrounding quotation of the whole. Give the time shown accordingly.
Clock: {"hour": 10, "minute": 28}
